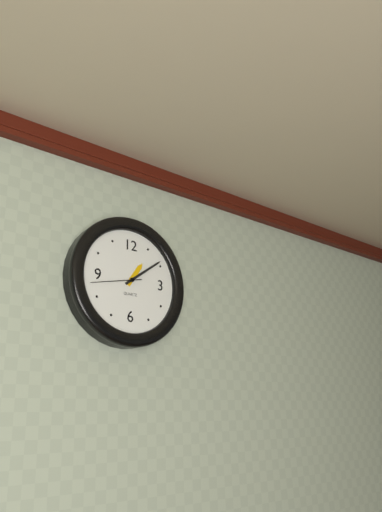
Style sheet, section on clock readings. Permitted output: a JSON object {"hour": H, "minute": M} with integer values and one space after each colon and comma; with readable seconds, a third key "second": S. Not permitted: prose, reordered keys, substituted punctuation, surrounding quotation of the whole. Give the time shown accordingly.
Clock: {"hour": 1, "minute": 9}
